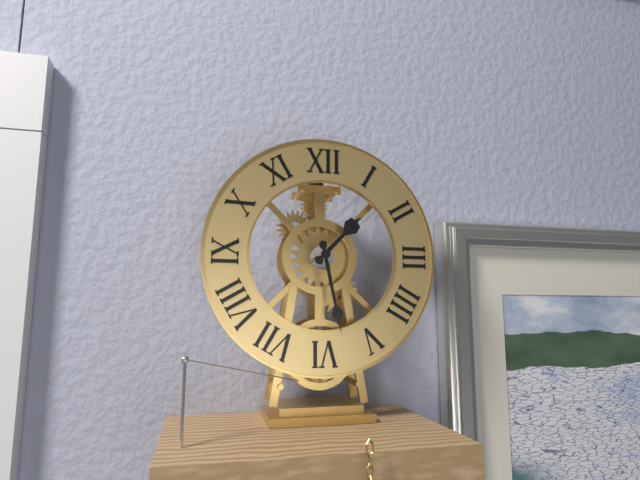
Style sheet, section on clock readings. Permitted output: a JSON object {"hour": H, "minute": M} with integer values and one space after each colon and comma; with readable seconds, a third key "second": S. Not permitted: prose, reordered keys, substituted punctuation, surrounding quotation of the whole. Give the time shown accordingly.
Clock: {"hour": 1, "minute": 28}
